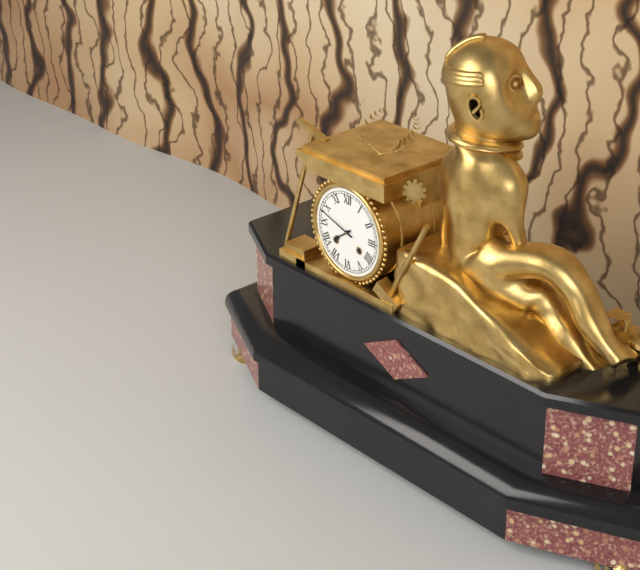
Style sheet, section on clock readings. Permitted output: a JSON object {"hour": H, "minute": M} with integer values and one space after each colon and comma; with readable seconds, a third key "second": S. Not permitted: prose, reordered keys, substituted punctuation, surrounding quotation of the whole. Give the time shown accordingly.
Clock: {"hour": 7, "minute": 48}
